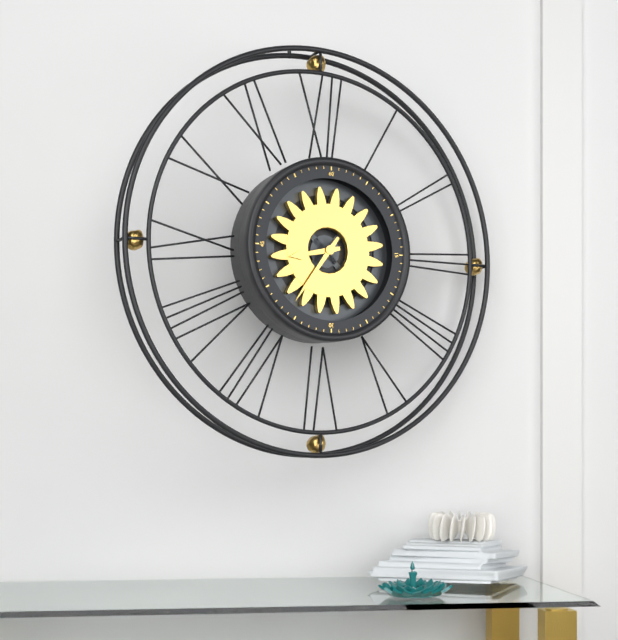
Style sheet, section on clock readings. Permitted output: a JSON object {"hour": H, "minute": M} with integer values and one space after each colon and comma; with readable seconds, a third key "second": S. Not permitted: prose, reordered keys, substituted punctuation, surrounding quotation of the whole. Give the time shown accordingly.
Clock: {"hour": 8, "minute": 36}
